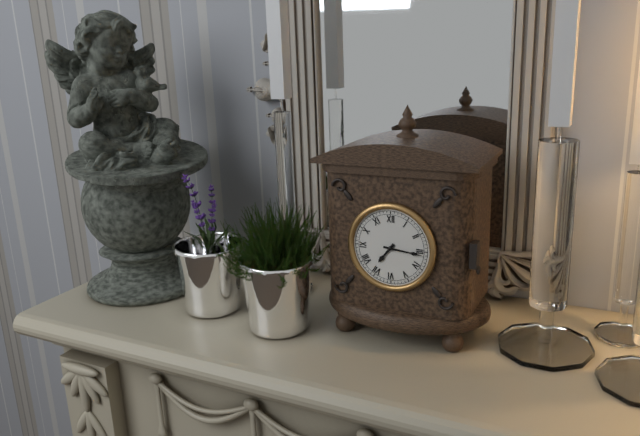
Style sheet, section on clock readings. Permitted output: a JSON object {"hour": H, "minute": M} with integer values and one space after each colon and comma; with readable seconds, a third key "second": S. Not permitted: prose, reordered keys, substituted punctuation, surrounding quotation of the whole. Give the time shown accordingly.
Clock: {"hour": 7, "minute": 16}
